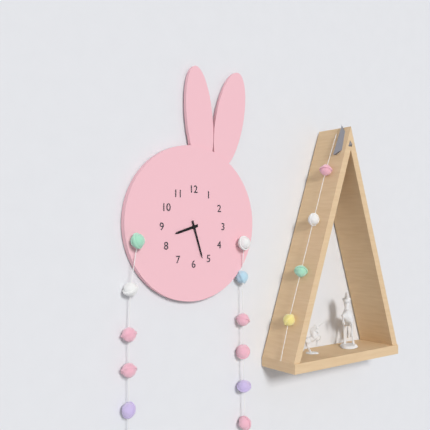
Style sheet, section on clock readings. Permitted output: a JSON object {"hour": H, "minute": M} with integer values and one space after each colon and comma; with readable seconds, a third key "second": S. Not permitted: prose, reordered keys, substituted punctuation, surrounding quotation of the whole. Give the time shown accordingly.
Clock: {"hour": 8, "minute": 27}
